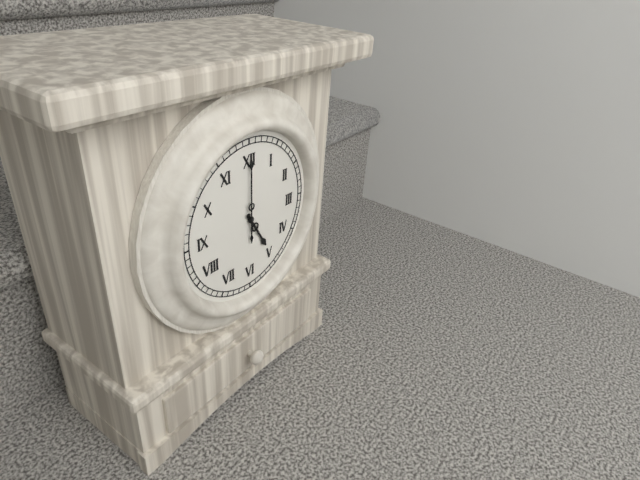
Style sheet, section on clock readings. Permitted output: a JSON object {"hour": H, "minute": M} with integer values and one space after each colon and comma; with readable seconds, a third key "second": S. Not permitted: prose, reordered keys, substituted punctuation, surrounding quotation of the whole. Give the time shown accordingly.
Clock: {"hour": 5, "minute": 0}
